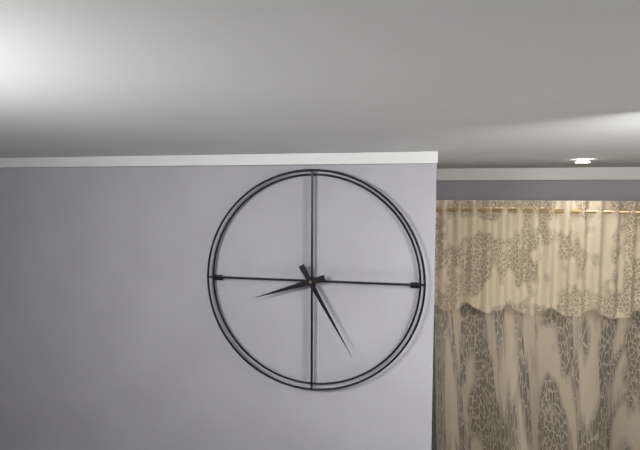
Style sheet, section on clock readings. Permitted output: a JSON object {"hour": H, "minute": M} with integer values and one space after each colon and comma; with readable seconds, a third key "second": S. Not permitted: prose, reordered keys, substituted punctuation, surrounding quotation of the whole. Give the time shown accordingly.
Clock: {"hour": 8, "minute": 25}
